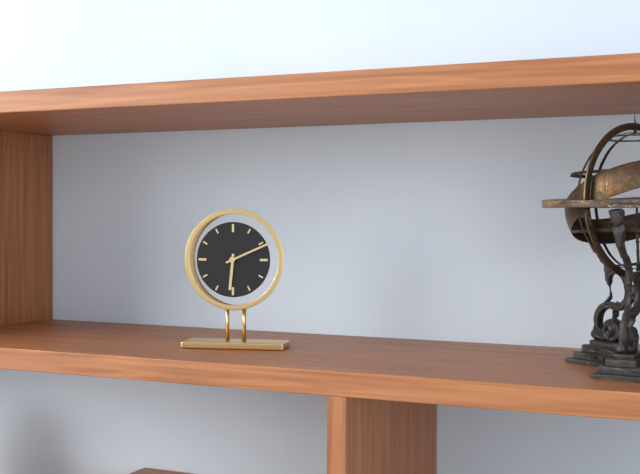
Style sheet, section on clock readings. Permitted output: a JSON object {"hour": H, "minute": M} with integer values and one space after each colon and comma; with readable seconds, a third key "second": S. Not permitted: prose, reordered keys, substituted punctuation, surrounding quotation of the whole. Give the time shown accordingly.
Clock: {"hour": 6, "minute": 11}
